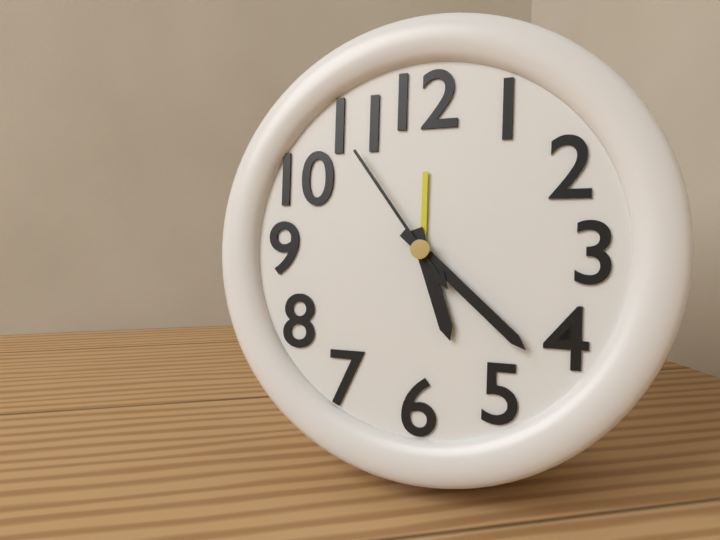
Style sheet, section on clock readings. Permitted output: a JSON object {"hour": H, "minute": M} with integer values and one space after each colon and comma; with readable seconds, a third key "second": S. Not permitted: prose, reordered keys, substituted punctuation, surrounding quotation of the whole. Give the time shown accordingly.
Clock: {"hour": 5, "minute": 22, "second": 54}
